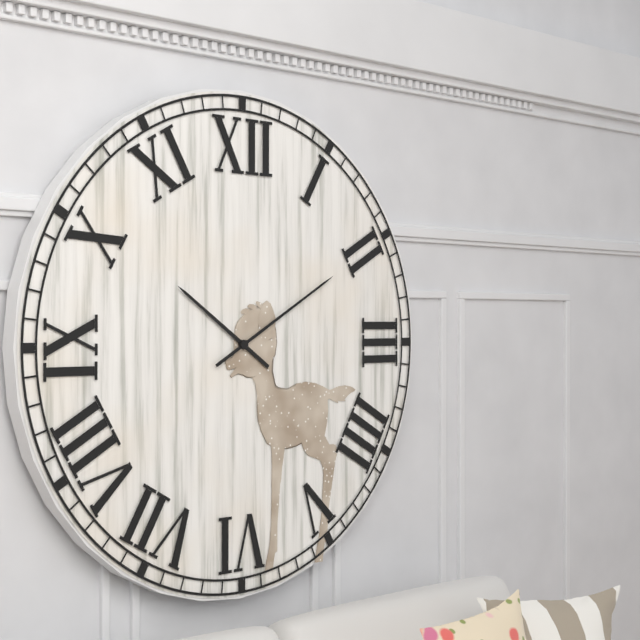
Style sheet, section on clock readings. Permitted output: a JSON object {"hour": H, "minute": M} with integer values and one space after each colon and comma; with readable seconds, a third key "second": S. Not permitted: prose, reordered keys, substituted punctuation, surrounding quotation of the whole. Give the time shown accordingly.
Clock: {"hour": 10, "minute": 10}
